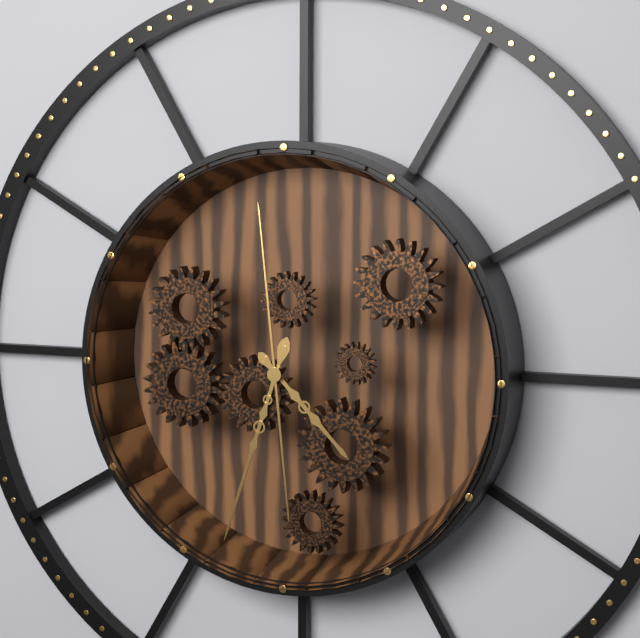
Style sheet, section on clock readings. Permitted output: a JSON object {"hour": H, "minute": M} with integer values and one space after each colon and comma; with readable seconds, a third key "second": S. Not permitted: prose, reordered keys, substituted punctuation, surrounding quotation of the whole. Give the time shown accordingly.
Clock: {"hour": 4, "minute": 33, "second": 59}
